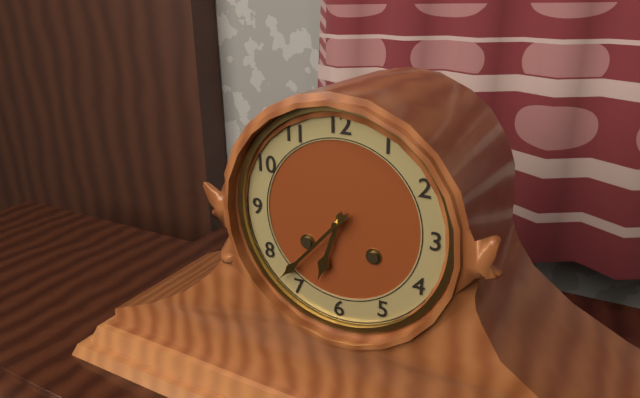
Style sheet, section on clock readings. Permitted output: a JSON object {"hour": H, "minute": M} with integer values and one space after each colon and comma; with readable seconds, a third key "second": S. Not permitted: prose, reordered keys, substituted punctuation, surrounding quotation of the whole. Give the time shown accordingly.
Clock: {"hour": 6, "minute": 37}
